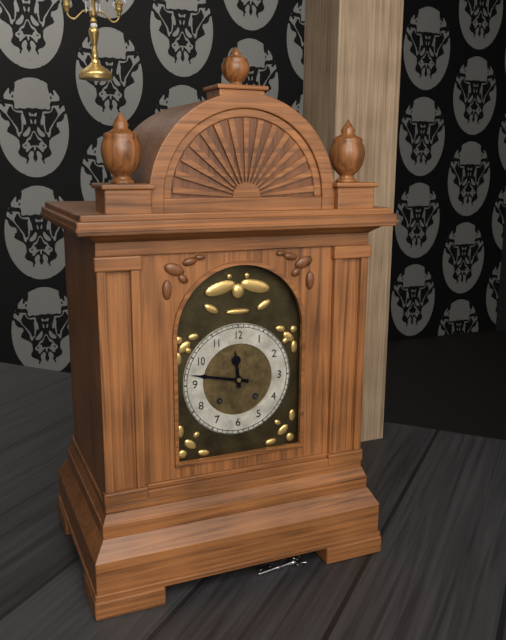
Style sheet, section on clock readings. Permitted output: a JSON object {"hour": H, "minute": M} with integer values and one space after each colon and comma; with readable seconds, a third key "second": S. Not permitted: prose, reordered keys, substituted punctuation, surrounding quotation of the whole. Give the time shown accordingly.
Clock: {"hour": 11, "minute": 47}
